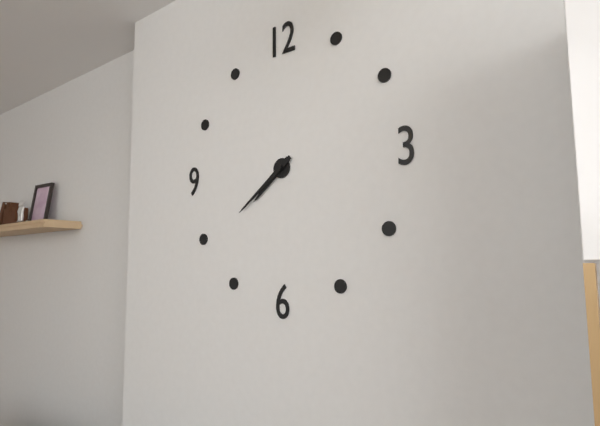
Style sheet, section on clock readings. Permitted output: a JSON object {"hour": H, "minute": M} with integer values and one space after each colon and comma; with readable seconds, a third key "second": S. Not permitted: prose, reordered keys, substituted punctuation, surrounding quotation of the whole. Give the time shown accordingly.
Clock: {"hour": 7, "minute": 39}
